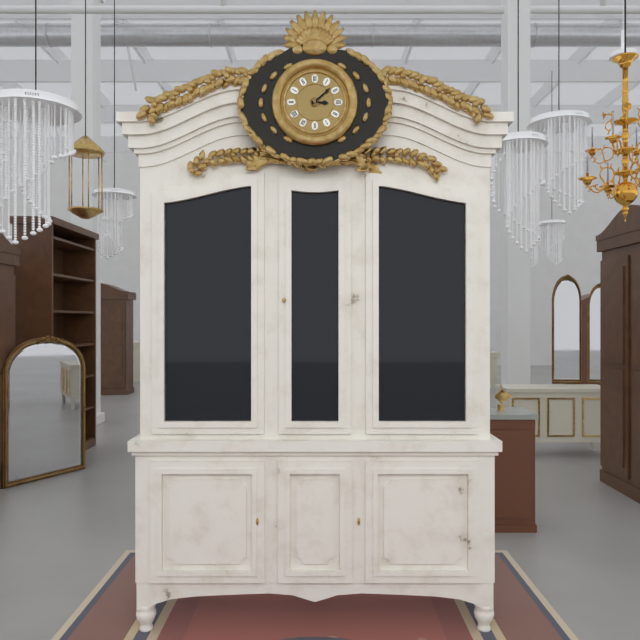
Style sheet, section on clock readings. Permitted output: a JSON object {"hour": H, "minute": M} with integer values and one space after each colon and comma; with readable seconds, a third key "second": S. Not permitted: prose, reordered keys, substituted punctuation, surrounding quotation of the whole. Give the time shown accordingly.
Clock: {"hour": 3, "minute": 8}
